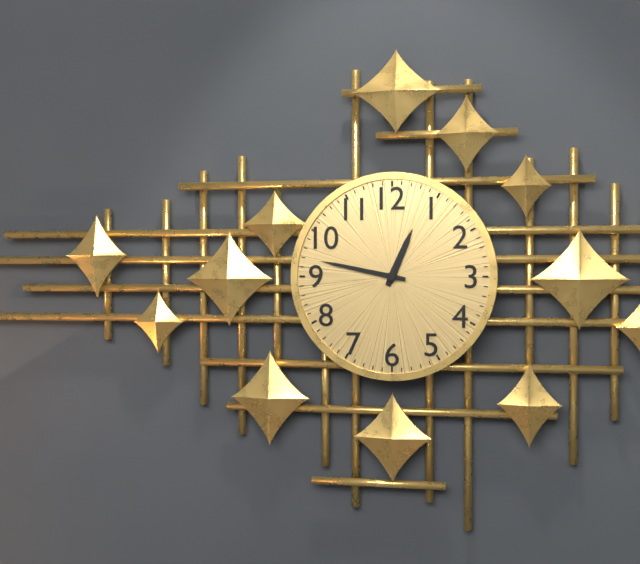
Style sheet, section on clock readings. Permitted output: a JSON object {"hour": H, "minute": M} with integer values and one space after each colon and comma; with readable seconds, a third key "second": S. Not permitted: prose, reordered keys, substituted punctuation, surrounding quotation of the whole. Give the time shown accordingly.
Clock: {"hour": 12, "minute": 47}
